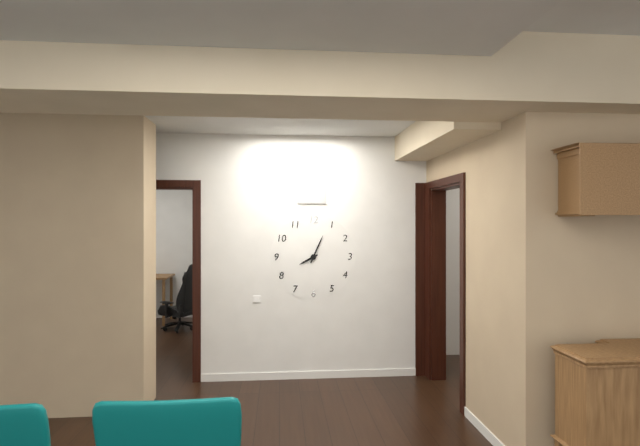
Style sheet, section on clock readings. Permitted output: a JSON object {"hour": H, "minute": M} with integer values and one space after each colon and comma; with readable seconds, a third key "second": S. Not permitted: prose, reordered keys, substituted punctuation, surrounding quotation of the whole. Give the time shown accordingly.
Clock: {"hour": 8, "minute": 4}
